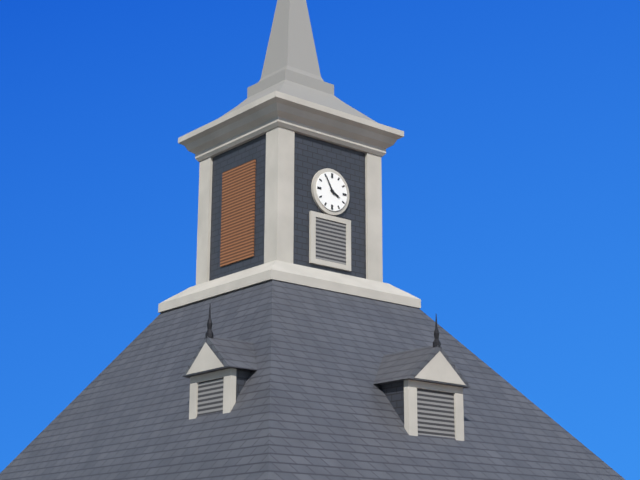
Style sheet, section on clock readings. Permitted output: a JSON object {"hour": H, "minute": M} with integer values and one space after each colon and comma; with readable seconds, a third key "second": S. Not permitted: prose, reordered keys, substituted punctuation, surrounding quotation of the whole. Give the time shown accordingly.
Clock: {"hour": 3, "minute": 55}
